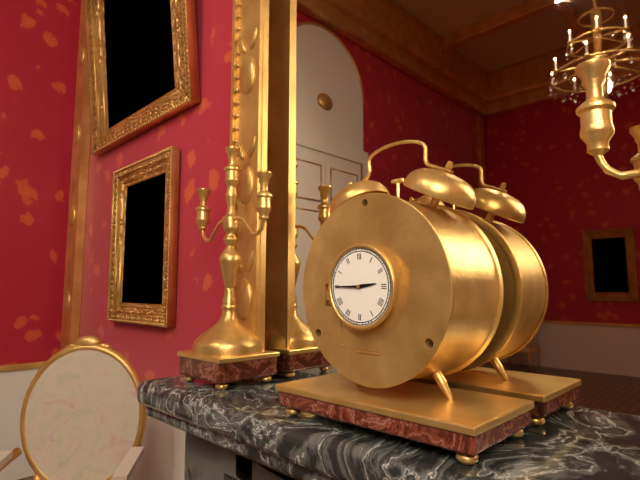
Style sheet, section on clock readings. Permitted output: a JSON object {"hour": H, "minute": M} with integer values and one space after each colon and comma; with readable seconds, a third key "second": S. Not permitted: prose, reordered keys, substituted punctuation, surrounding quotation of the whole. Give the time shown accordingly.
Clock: {"hour": 2, "minute": 45}
